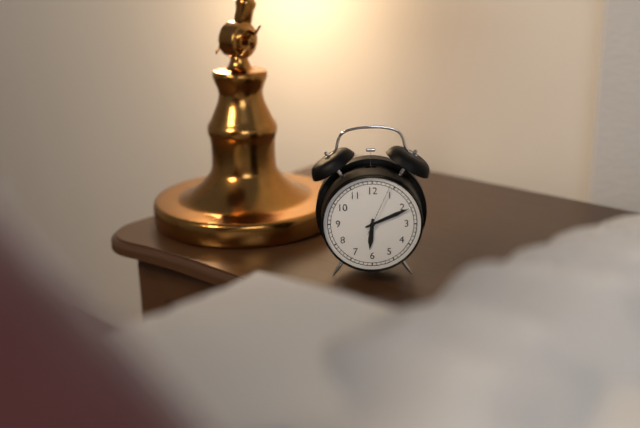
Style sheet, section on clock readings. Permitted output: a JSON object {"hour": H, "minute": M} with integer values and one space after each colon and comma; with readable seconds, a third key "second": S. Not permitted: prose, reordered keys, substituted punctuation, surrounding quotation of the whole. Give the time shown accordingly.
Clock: {"hour": 6, "minute": 11}
